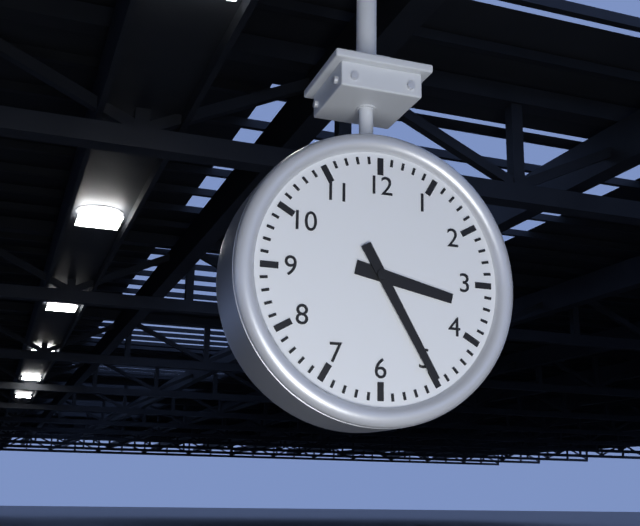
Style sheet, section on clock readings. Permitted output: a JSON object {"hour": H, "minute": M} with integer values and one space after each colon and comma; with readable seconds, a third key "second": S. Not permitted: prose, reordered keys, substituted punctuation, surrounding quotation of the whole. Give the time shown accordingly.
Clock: {"hour": 3, "minute": 25}
